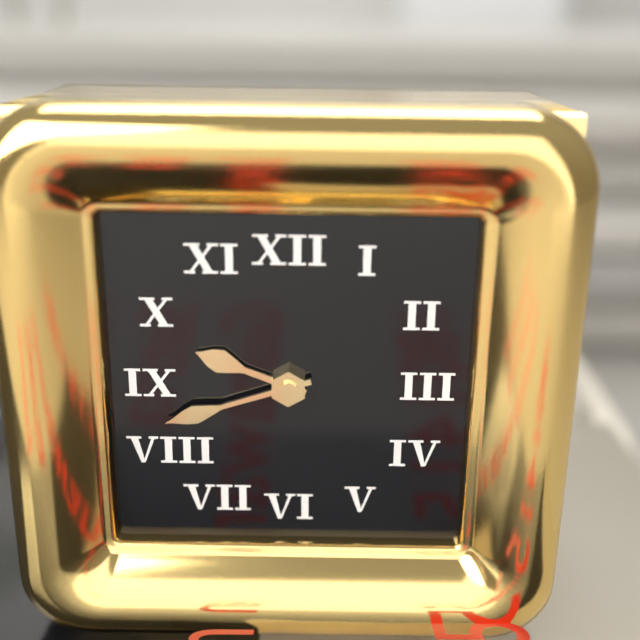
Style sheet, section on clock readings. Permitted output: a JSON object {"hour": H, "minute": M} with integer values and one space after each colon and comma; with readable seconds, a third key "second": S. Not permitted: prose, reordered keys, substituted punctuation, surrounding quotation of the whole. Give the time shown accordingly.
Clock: {"hour": 9, "minute": 42}
